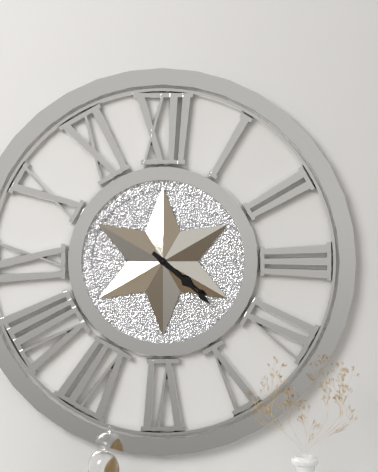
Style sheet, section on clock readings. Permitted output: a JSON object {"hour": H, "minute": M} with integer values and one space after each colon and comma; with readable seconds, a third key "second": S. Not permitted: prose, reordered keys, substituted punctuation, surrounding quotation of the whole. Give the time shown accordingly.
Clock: {"hour": 4, "minute": 22}
